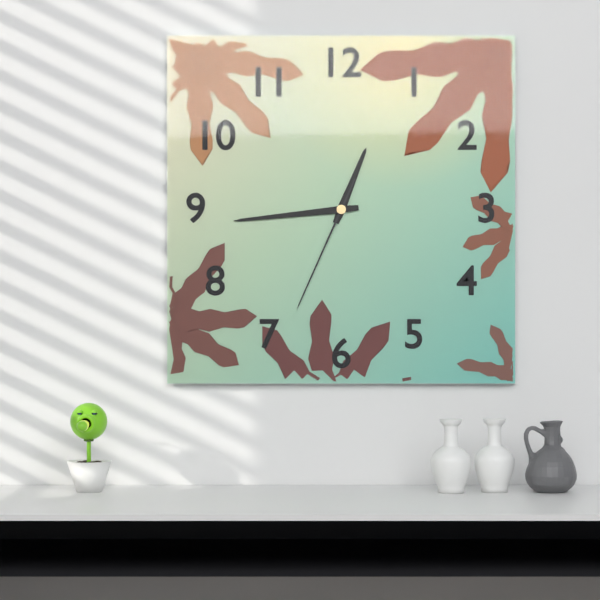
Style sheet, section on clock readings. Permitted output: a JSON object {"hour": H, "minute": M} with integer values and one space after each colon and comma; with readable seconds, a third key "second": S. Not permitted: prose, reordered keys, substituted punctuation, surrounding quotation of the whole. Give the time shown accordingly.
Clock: {"hour": 12, "minute": 44, "second": 34}
